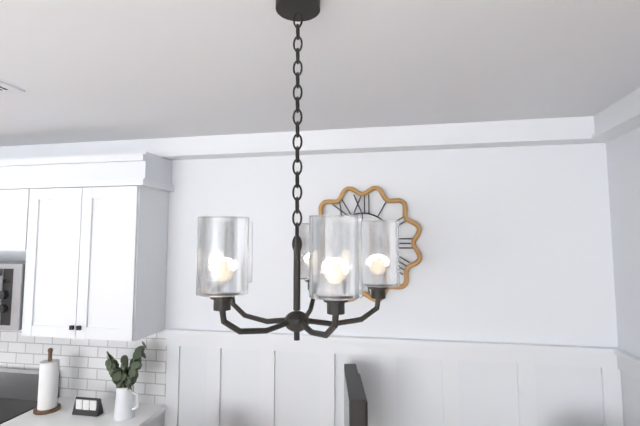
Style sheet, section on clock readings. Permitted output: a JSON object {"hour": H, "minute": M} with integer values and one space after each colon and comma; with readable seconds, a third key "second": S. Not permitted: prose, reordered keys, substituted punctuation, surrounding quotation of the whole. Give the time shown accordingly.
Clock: {"hour": 3, "minute": 7}
